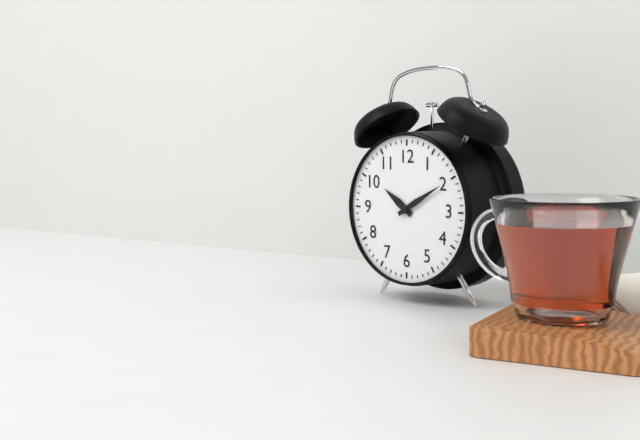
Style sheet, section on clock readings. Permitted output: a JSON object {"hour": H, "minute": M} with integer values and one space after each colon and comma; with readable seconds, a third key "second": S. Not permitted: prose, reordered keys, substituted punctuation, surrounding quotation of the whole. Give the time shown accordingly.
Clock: {"hour": 10, "minute": 10}
